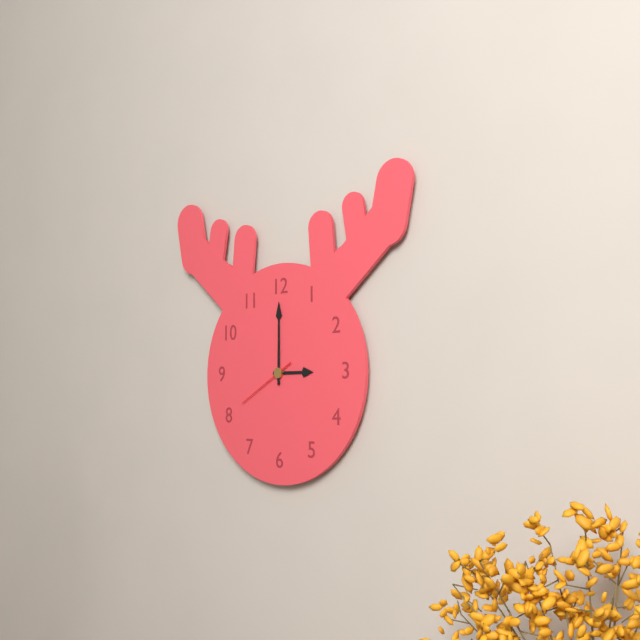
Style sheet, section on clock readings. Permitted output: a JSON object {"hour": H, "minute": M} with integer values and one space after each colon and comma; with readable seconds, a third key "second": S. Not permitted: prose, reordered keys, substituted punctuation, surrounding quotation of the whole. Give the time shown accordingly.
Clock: {"hour": 3, "minute": 0, "second": 40}
